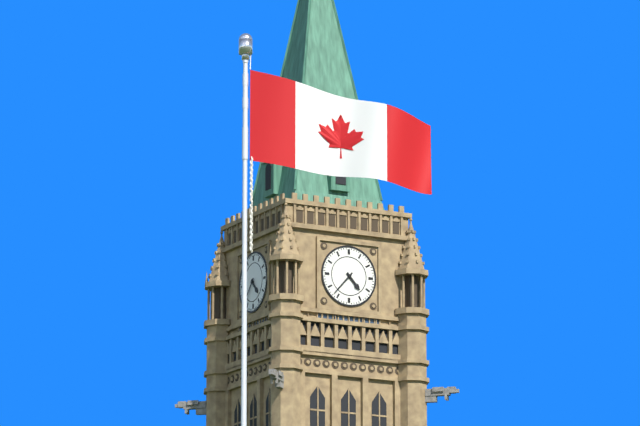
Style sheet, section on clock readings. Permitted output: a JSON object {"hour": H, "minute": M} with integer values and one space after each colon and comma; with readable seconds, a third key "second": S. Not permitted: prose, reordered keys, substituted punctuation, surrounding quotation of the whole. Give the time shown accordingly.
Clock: {"hour": 4, "minute": 37}
